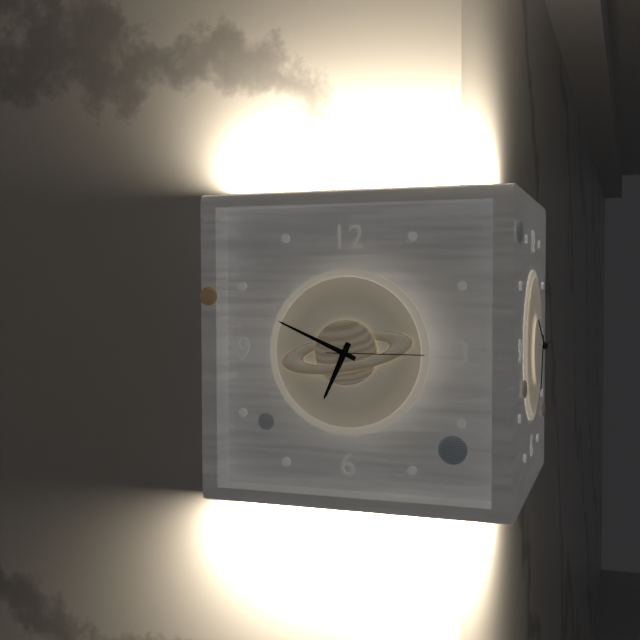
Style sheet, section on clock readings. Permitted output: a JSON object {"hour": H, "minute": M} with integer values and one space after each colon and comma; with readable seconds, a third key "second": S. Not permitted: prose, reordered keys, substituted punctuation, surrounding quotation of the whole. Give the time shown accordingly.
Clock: {"hour": 6, "minute": 49, "second": 15}
